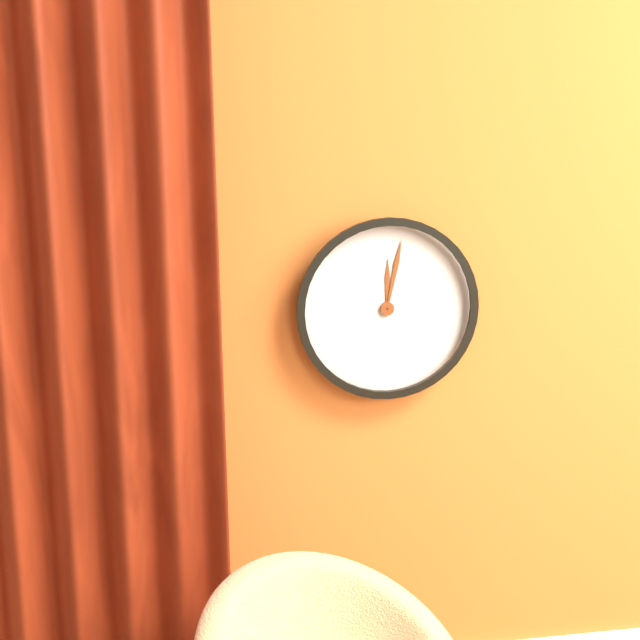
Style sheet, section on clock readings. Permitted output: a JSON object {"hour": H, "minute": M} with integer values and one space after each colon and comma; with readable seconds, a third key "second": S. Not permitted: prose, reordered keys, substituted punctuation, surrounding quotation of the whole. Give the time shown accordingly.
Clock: {"hour": 12, "minute": 2}
